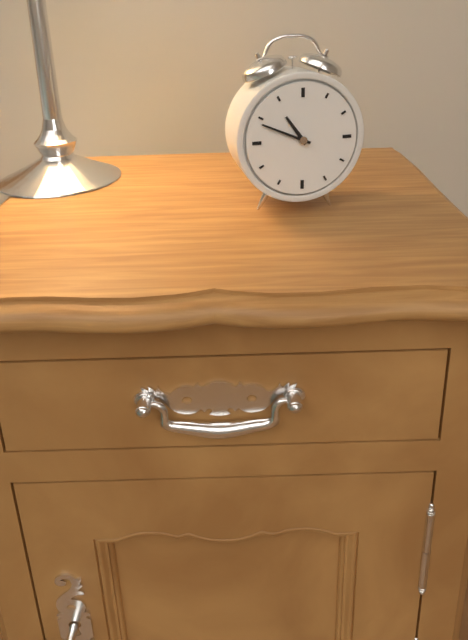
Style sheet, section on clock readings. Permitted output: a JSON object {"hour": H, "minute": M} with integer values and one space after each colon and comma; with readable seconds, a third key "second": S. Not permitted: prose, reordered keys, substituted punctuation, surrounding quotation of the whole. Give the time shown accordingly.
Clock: {"hour": 10, "minute": 49}
